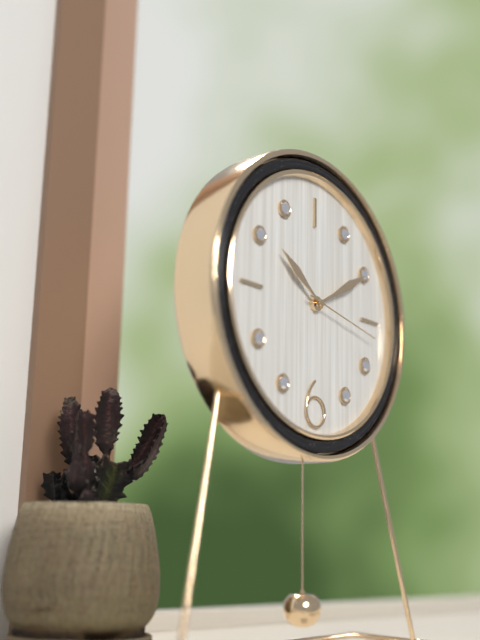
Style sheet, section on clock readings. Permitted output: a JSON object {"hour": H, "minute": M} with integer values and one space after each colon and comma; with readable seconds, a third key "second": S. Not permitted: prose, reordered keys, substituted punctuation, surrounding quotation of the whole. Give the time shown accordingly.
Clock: {"hour": 10, "minute": 10, "second": 17}
